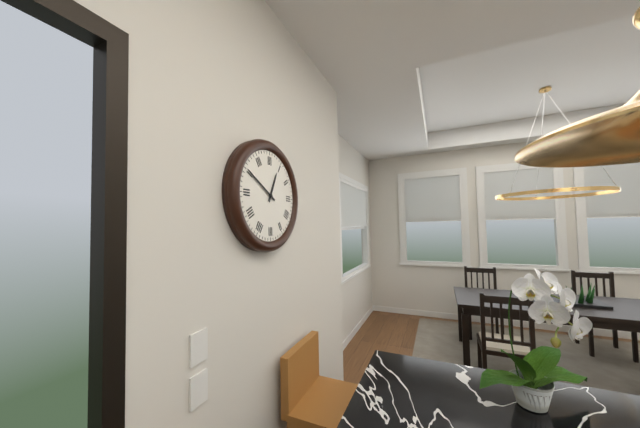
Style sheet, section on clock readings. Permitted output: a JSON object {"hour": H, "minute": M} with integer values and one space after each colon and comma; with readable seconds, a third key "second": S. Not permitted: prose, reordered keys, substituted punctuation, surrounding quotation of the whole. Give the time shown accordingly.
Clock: {"hour": 12, "minute": 50}
